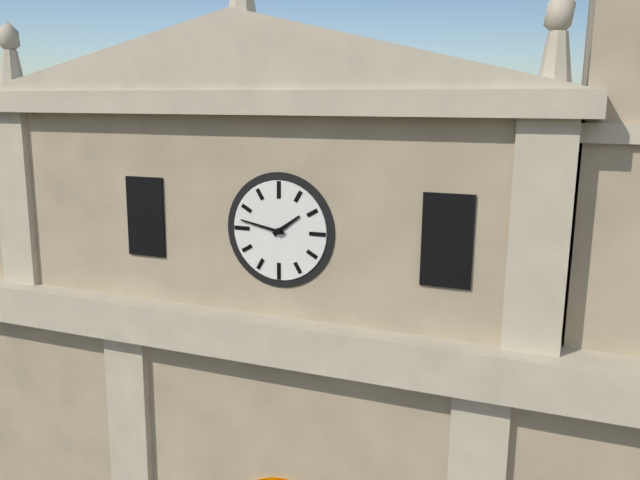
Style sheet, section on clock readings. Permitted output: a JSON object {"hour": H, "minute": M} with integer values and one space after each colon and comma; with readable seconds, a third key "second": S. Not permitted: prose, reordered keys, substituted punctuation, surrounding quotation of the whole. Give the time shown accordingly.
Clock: {"hour": 1, "minute": 47}
